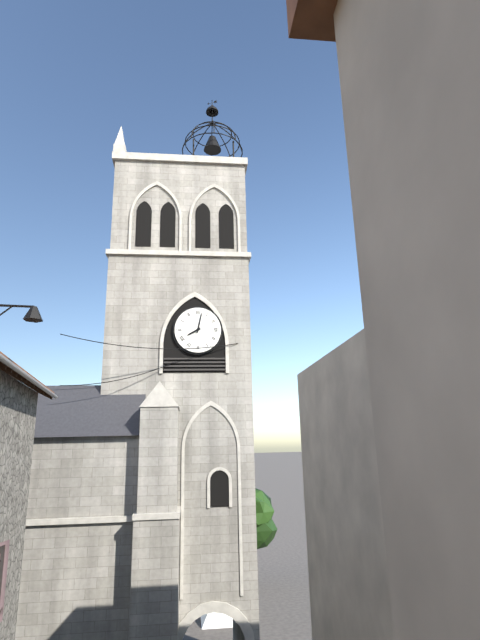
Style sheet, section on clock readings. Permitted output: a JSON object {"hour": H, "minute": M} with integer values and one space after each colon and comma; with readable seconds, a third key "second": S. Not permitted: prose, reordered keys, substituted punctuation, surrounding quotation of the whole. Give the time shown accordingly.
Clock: {"hour": 8, "minute": 2}
